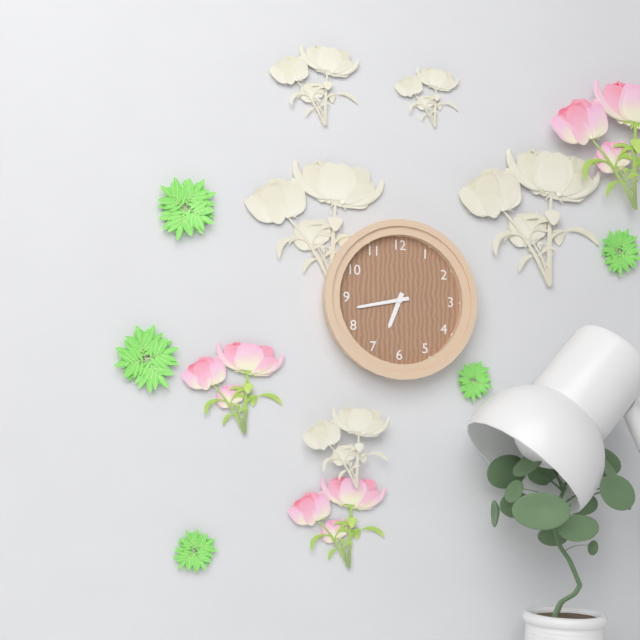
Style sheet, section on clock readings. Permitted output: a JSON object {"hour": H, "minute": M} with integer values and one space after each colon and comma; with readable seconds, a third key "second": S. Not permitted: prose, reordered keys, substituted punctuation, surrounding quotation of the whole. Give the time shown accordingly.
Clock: {"hour": 6, "minute": 43}
